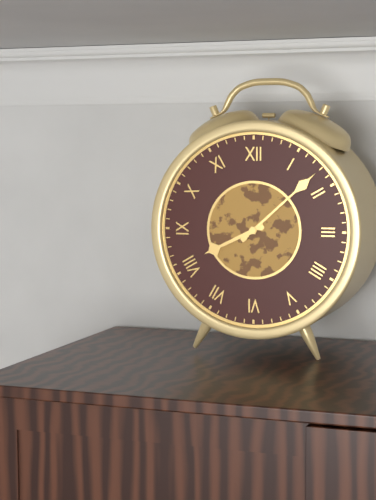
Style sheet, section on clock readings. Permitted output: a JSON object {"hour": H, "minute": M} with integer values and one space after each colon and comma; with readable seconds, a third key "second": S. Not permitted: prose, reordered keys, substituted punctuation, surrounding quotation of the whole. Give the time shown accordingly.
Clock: {"hour": 8, "minute": 8}
